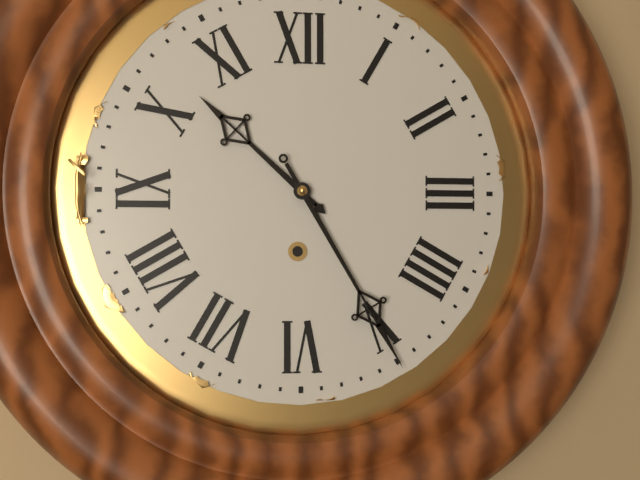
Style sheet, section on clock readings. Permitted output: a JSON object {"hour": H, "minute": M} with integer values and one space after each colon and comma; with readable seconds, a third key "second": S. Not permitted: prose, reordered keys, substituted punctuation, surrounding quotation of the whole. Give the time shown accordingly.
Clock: {"hour": 10, "minute": 25}
